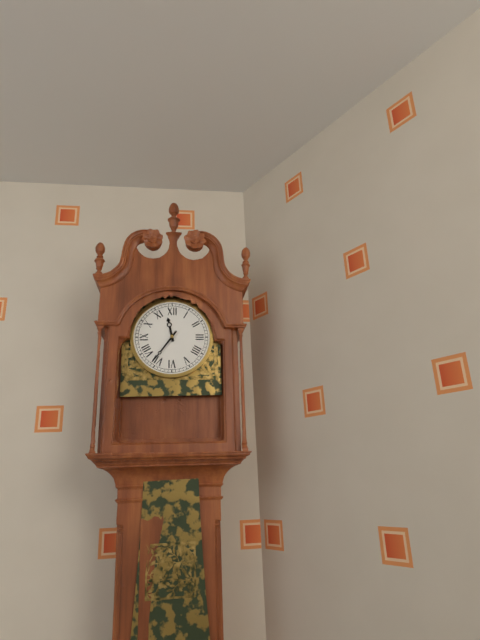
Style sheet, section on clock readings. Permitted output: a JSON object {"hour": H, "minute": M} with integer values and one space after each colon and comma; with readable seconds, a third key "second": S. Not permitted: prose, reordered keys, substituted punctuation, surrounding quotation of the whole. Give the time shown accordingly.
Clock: {"hour": 11, "minute": 36}
